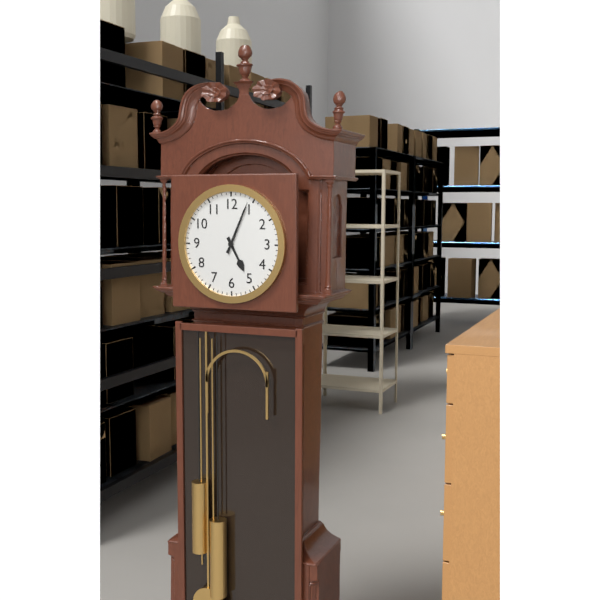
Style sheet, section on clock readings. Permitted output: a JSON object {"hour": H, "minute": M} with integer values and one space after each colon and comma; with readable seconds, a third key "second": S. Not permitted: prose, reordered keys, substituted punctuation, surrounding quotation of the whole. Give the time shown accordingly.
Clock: {"hour": 5, "minute": 4}
